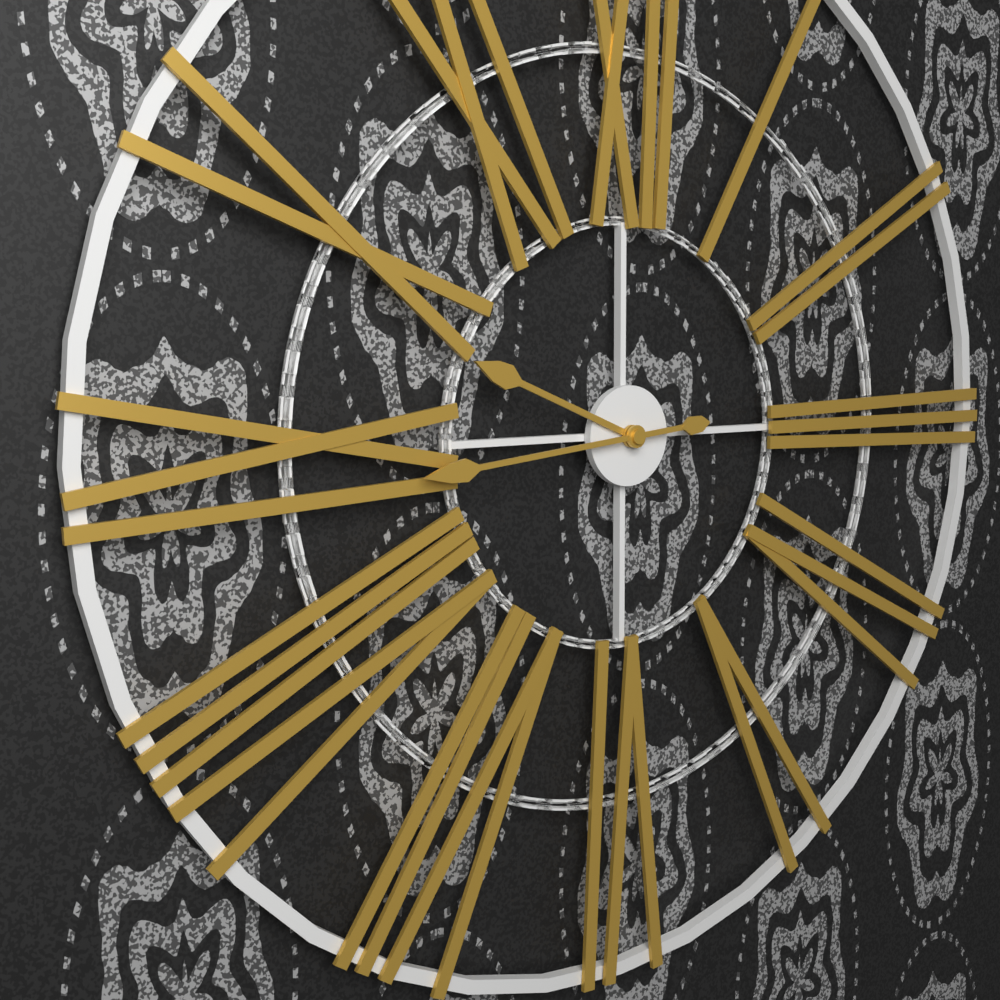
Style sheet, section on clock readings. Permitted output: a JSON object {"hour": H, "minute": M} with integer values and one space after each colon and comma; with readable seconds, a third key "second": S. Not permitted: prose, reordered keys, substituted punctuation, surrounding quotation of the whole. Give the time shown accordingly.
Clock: {"hour": 9, "minute": 44}
